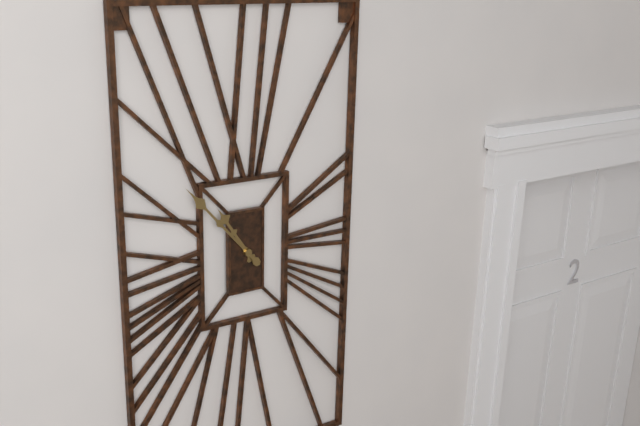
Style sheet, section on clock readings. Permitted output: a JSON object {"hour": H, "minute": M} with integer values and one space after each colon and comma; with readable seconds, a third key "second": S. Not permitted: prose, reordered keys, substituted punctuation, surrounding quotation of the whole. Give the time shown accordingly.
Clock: {"hour": 10, "minute": 53}
